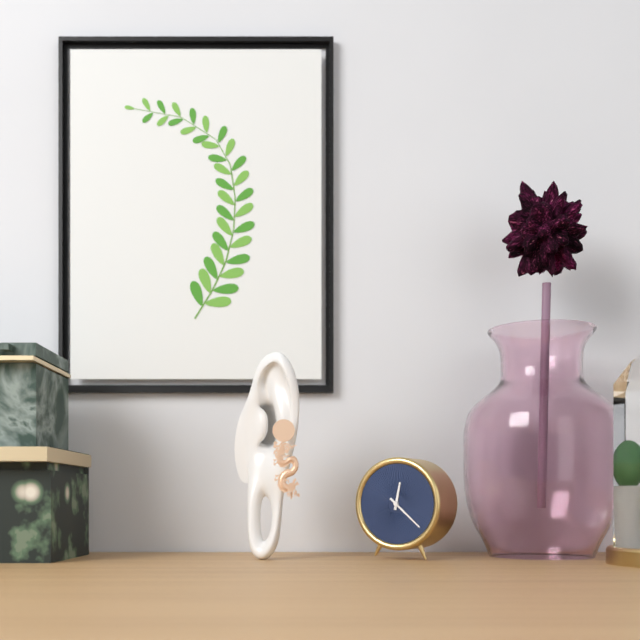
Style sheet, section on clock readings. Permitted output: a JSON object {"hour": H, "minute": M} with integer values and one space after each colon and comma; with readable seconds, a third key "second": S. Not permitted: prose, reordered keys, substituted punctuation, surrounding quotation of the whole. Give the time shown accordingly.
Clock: {"hour": 12, "minute": 22}
